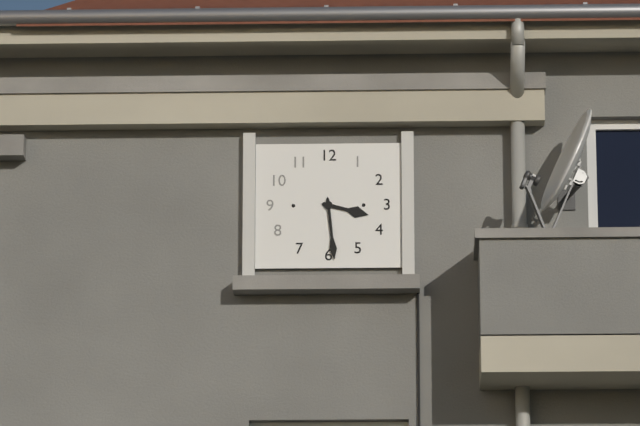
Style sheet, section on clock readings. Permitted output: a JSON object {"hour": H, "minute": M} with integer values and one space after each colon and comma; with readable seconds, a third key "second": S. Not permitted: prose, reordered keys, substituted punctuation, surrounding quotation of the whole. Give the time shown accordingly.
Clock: {"hour": 3, "minute": 29}
